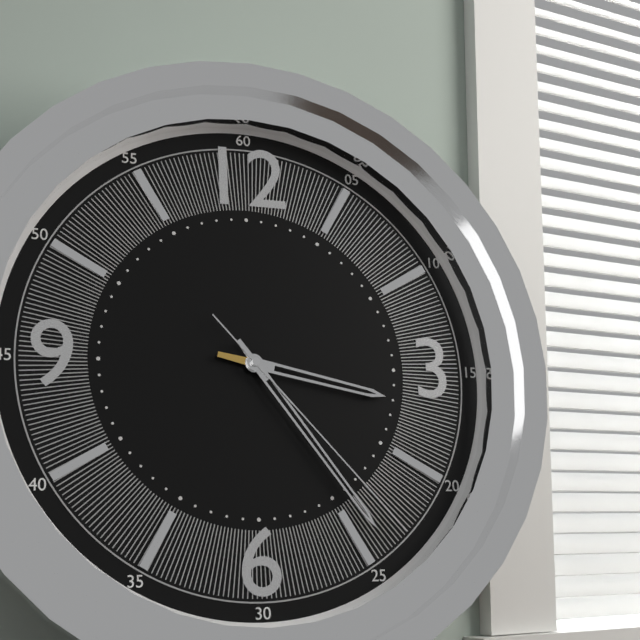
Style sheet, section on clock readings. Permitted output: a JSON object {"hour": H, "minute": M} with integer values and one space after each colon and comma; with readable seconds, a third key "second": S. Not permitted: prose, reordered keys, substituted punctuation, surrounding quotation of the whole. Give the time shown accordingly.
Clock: {"hour": 3, "minute": 24, "second": 23}
